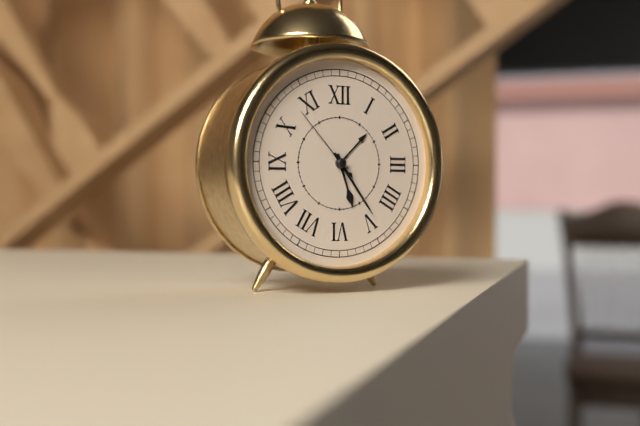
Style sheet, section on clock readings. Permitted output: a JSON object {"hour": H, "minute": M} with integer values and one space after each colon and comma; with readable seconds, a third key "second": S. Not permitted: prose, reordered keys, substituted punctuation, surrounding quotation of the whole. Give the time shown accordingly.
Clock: {"hour": 5, "minute": 24, "second": 53}
